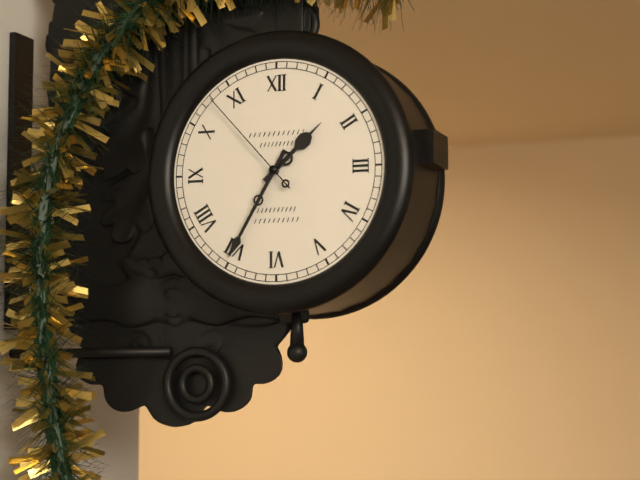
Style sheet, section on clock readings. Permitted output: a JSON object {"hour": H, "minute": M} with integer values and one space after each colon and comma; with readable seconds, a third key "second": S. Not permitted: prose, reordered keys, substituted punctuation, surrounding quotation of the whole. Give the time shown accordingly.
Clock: {"hour": 1, "minute": 35, "second": 53}
